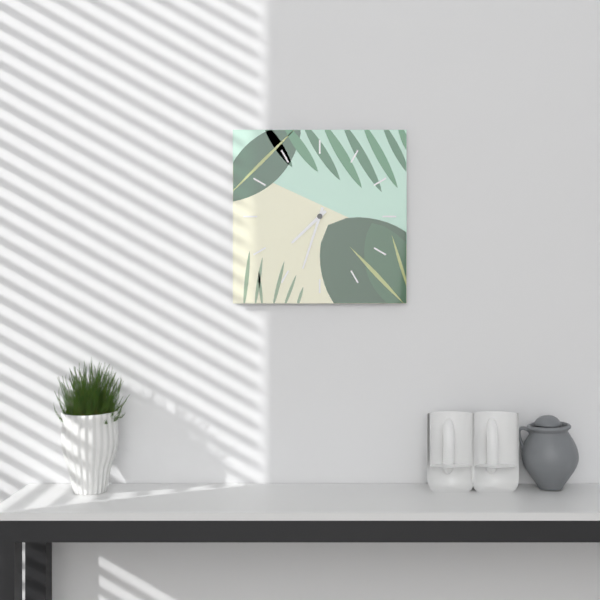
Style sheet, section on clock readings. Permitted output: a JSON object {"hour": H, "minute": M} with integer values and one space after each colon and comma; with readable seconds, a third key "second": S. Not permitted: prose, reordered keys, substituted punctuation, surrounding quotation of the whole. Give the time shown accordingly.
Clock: {"hour": 7, "minute": 33}
